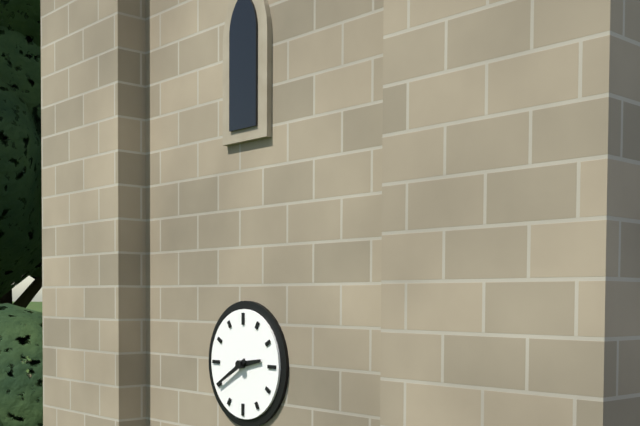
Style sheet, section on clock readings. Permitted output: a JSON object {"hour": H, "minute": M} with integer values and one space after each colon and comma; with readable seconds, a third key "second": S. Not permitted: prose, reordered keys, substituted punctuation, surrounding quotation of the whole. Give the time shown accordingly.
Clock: {"hour": 2, "minute": 40}
